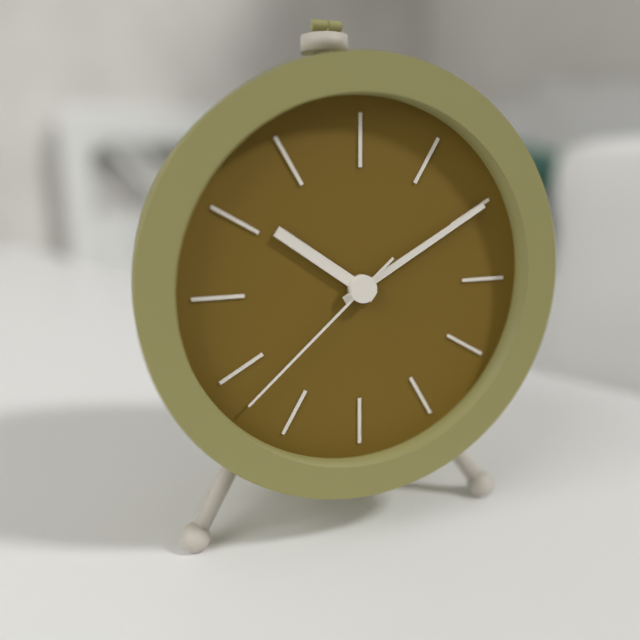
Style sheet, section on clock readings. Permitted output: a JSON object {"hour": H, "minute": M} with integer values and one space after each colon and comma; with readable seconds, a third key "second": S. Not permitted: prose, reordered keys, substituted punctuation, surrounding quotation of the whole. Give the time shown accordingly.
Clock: {"hour": 10, "minute": 10, "second": 38}
